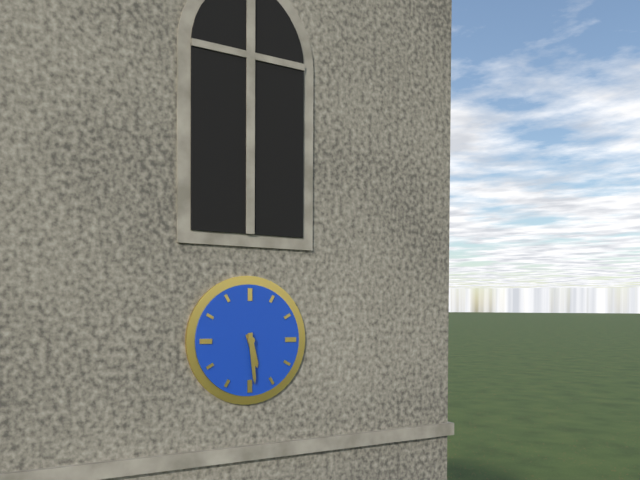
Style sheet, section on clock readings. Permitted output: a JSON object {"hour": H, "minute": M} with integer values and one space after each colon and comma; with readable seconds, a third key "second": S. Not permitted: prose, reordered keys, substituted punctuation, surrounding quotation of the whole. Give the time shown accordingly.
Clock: {"hour": 5, "minute": 29}
